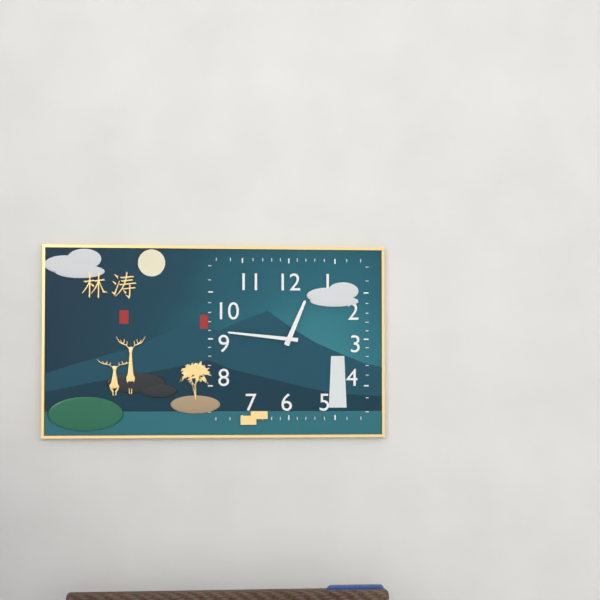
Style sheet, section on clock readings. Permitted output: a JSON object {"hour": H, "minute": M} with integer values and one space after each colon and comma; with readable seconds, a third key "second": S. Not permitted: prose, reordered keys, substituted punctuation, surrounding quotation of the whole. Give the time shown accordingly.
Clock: {"hour": 12, "minute": 46}
